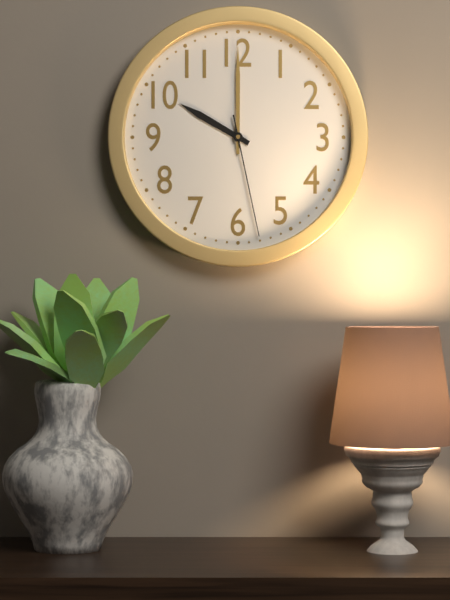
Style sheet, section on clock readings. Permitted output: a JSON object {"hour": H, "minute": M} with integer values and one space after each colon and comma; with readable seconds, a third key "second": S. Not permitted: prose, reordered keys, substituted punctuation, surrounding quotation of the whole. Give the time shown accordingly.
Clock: {"hour": 10, "minute": 0, "second": 28}
